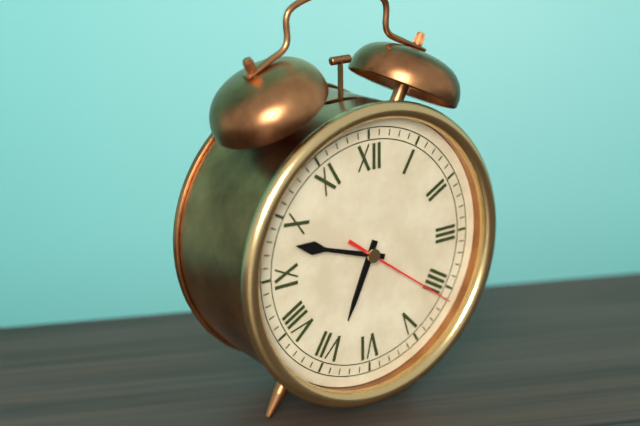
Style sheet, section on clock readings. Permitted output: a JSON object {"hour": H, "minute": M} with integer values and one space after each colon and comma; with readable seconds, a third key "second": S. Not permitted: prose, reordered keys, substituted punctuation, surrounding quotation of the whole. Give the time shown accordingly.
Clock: {"hour": 6, "minute": 48, "second": 21}
